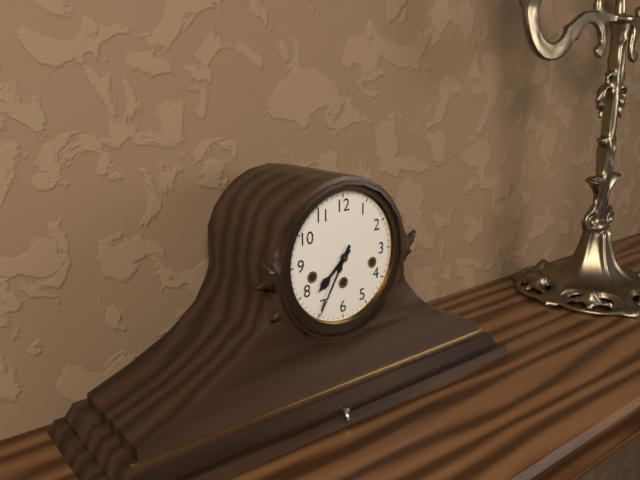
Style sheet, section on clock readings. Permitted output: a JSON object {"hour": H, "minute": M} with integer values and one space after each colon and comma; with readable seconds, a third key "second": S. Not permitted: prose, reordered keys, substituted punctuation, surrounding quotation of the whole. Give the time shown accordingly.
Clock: {"hour": 7, "minute": 35}
